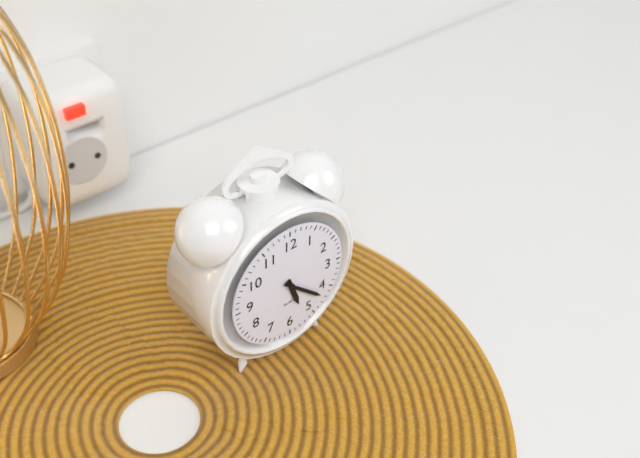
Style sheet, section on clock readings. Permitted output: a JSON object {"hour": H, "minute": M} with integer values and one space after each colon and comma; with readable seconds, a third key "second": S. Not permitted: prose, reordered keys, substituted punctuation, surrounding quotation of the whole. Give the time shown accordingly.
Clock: {"hour": 5, "minute": 22}
